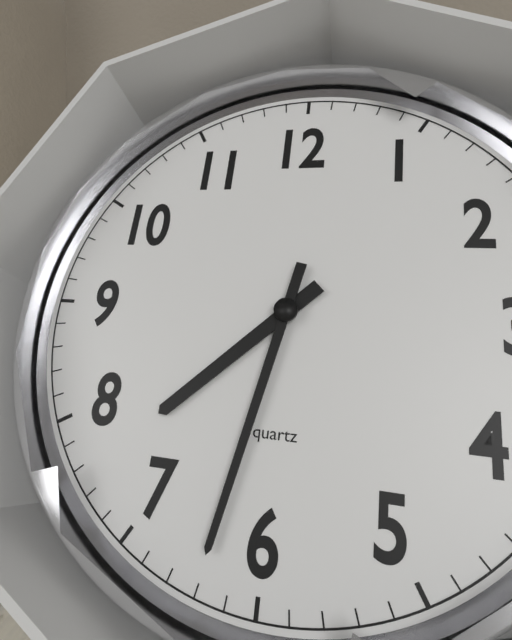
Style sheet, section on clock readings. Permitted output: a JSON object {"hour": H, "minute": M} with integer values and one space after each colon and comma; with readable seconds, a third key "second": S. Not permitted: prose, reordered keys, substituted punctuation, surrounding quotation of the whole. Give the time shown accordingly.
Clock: {"hour": 7, "minute": 32}
